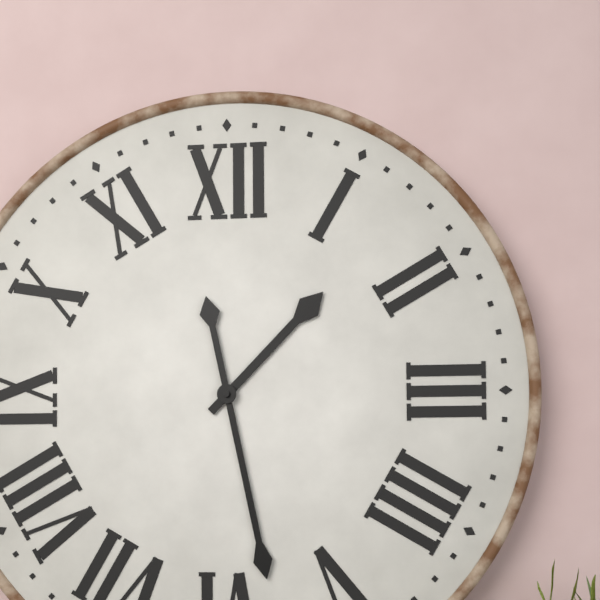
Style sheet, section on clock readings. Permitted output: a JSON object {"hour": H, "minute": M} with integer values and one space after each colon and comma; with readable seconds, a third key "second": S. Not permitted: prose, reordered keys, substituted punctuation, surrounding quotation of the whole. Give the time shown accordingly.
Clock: {"hour": 1, "minute": 28}
